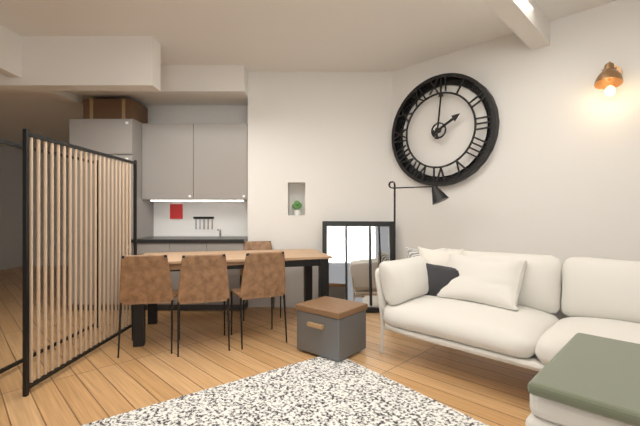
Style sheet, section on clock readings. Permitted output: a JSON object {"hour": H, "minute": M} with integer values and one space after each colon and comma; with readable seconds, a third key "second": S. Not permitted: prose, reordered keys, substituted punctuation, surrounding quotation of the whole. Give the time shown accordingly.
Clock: {"hour": 2, "minute": 1}
